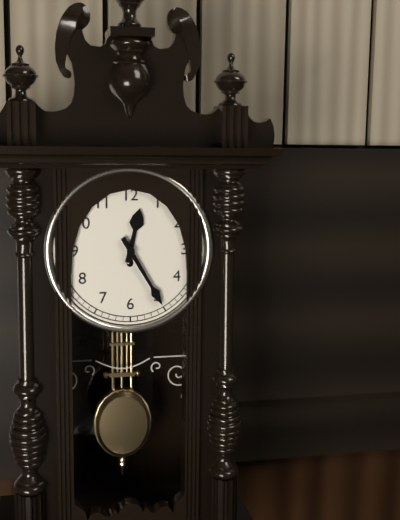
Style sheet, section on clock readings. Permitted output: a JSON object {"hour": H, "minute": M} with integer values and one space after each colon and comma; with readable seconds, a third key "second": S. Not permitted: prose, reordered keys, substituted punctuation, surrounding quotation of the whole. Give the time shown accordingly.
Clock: {"hour": 12, "minute": 25}
